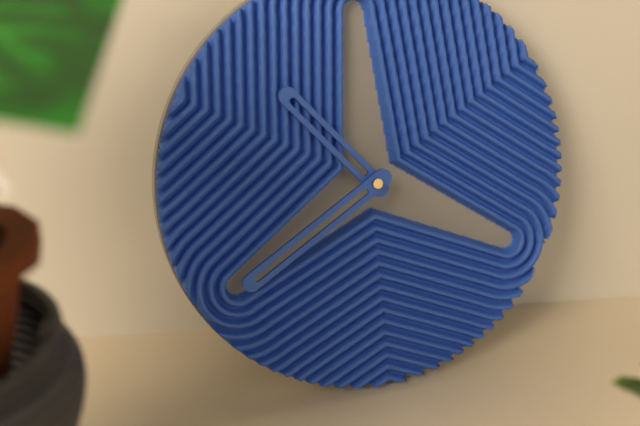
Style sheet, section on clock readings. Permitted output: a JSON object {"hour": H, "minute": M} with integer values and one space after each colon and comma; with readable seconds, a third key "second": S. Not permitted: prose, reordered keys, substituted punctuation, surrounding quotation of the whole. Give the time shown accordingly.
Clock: {"hour": 10, "minute": 40}
